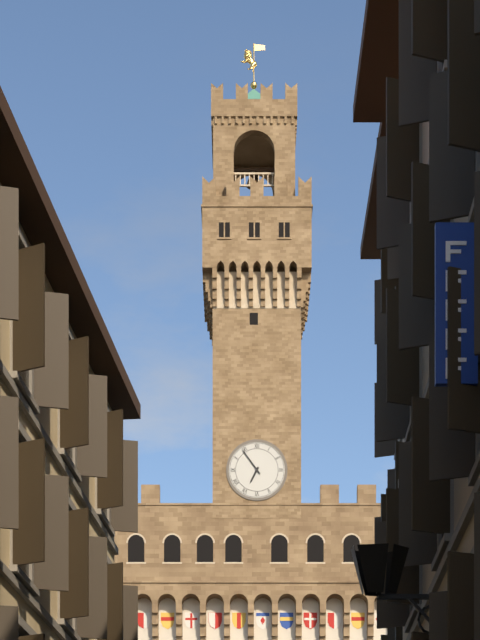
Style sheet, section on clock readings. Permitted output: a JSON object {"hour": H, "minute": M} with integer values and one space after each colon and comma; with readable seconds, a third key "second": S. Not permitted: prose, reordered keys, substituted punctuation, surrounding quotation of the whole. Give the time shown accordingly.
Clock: {"hour": 6, "minute": 54}
